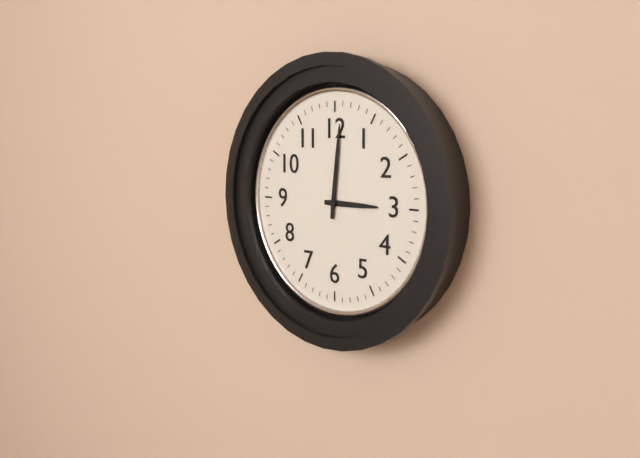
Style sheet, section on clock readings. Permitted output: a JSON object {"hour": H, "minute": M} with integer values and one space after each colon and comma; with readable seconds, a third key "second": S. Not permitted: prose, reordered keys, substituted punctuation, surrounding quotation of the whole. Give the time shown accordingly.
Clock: {"hour": 3, "minute": 1}
